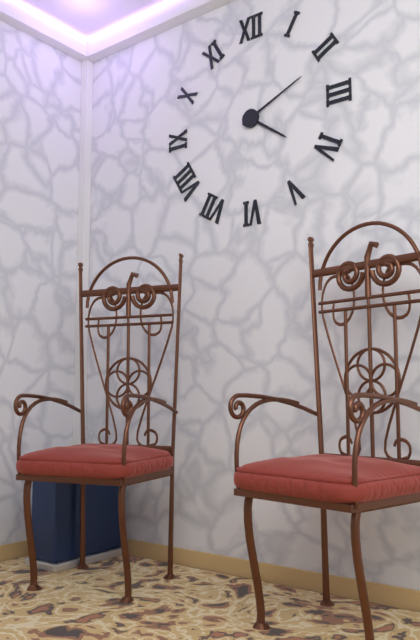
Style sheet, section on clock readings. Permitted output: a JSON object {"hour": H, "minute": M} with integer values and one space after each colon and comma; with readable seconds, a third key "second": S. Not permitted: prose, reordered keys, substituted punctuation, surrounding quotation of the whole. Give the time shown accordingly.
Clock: {"hour": 4, "minute": 11}
